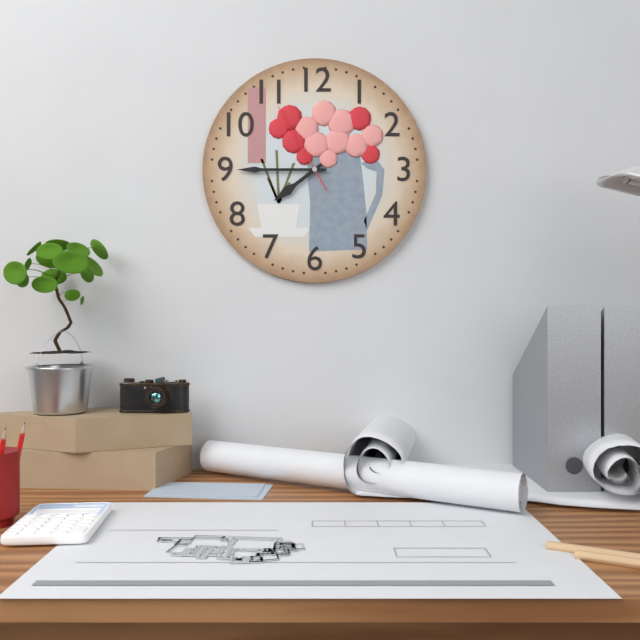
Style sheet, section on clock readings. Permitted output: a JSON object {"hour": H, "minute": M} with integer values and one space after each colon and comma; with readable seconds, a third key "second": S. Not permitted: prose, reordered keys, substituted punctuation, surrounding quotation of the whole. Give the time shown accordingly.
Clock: {"hour": 7, "minute": 45, "second": 55}
